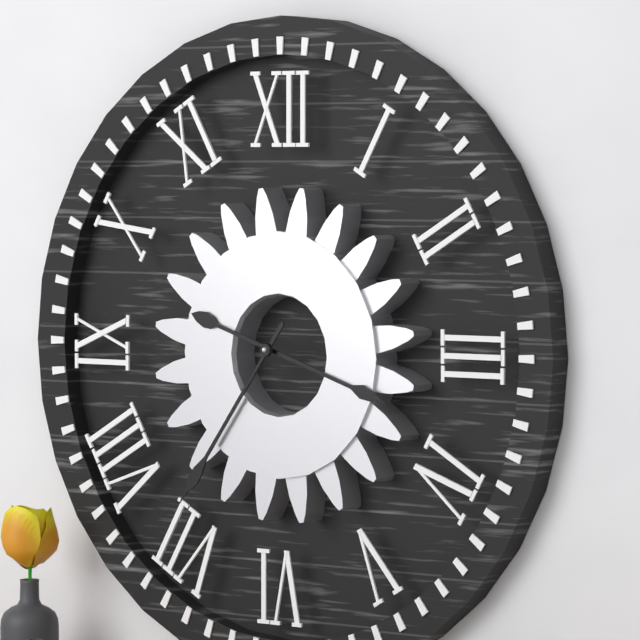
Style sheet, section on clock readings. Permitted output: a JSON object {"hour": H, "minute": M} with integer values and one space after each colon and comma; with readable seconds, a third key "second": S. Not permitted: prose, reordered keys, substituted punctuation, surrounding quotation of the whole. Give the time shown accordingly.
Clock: {"hour": 3, "minute": 36}
